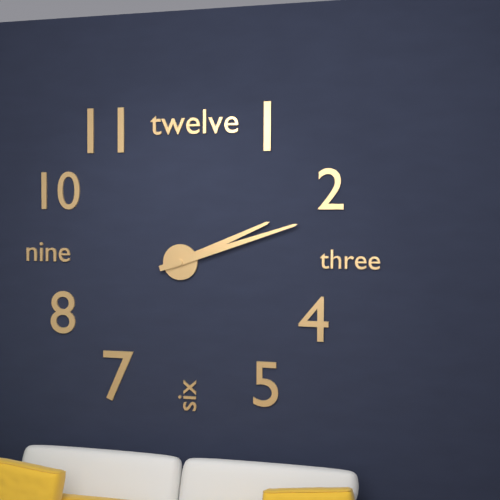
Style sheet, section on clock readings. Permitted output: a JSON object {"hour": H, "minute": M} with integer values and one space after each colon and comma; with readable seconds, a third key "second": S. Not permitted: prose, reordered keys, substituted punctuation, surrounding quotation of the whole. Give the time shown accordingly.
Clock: {"hour": 2, "minute": 12}
